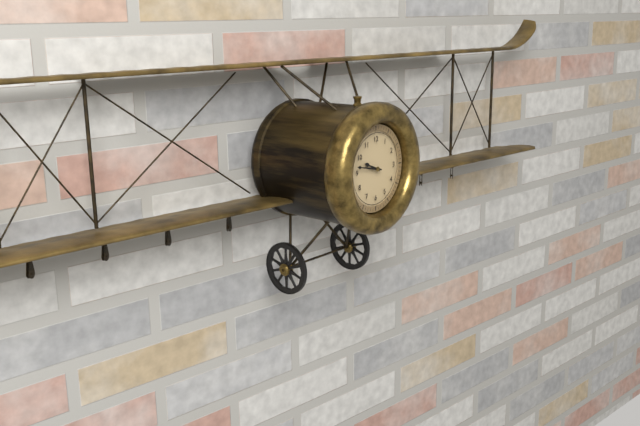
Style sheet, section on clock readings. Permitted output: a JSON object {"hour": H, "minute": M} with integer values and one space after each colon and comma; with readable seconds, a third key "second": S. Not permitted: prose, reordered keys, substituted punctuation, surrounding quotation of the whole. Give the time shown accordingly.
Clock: {"hour": 9, "minute": 47}
